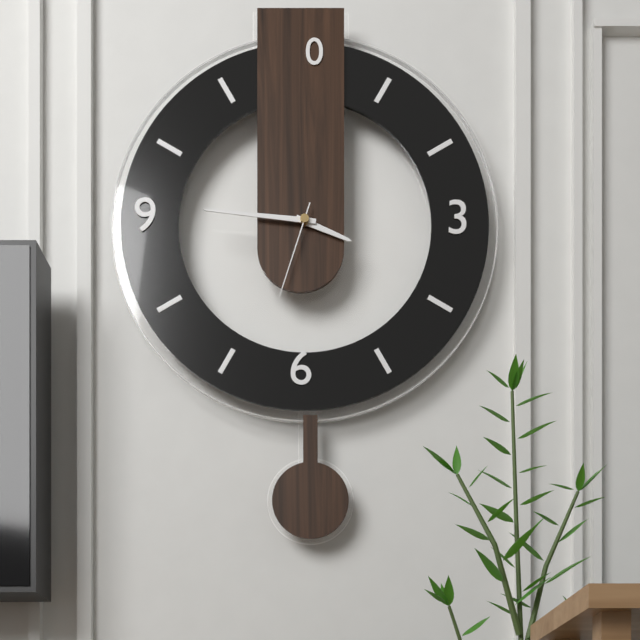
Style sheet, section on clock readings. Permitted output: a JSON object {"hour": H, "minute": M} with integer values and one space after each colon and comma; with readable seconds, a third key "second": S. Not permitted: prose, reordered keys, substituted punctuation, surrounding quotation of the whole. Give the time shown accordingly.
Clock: {"hour": 3, "minute": 46, "second": 33}
